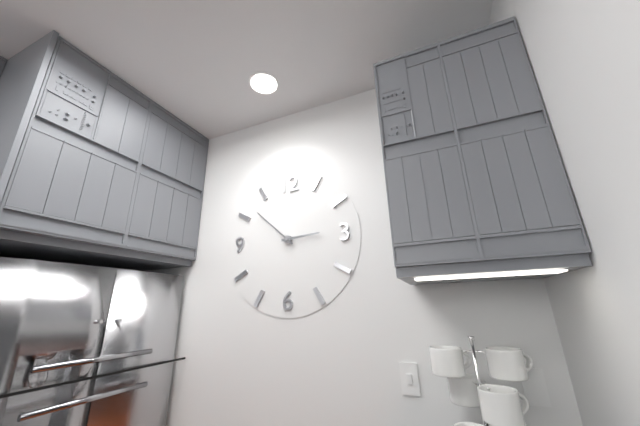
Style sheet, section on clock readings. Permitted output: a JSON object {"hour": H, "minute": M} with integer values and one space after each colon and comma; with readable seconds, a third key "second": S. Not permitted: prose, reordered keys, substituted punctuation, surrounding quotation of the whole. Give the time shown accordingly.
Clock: {"hour": 2, "minute": 52}
